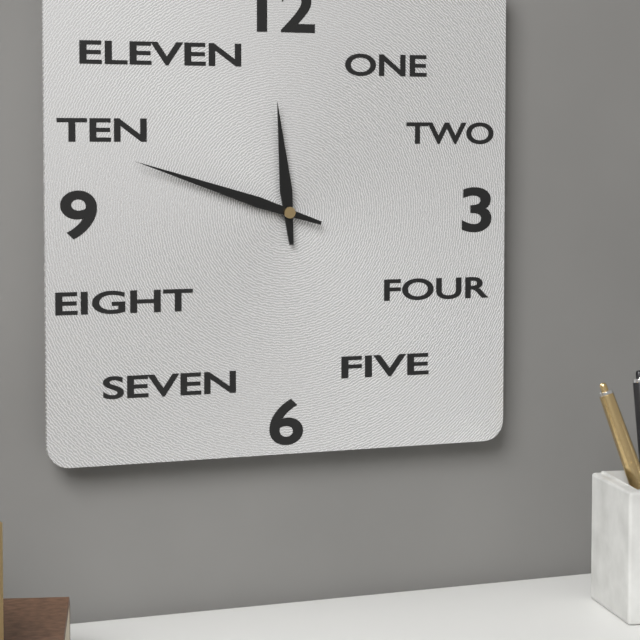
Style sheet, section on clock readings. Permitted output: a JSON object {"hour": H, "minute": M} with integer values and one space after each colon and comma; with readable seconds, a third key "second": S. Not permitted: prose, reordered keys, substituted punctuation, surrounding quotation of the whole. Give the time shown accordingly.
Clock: {"hour": 11, "minute": 48}
